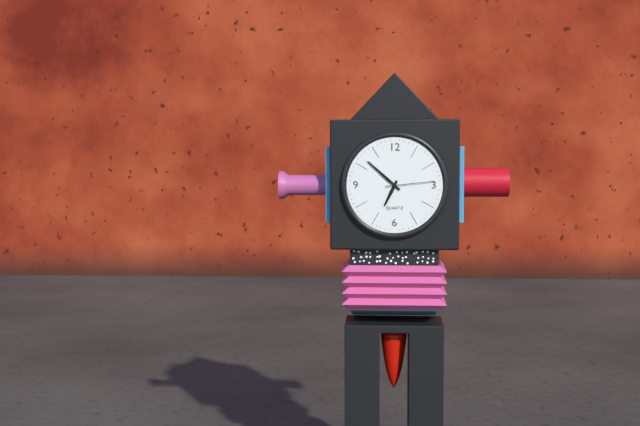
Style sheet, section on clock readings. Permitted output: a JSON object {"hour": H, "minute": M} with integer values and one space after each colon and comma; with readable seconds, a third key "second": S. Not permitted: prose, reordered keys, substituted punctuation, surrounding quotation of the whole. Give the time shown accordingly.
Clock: {"hour": 6, "minute": 52, "second": 14}
